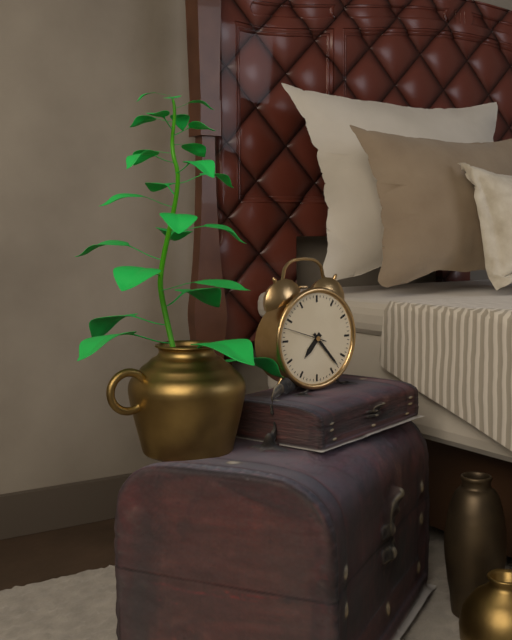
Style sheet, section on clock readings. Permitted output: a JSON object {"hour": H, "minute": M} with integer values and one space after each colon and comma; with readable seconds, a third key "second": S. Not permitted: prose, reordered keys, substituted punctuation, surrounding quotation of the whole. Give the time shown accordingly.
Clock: {"hour": 7, "minute": 23}
